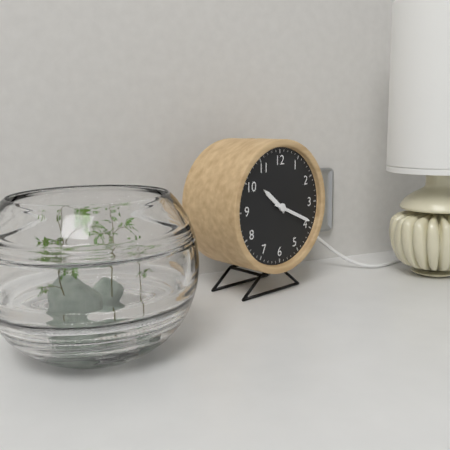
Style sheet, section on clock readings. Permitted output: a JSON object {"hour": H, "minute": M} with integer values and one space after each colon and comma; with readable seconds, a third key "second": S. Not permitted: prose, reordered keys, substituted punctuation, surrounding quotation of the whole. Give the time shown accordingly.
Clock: {"hour": 10, "minute": 19}
